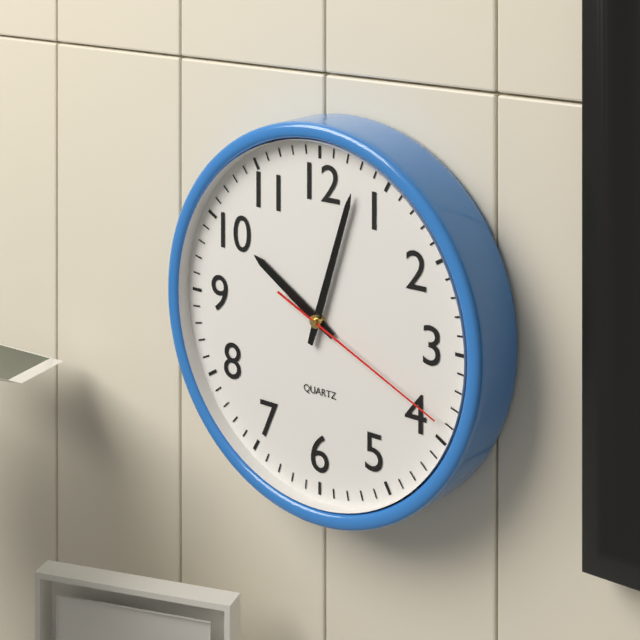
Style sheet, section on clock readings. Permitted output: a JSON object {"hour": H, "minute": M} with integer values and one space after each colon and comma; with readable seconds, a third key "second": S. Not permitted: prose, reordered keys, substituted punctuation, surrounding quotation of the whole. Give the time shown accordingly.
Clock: {"hour": 10, "minute": 3, "second": 19}
